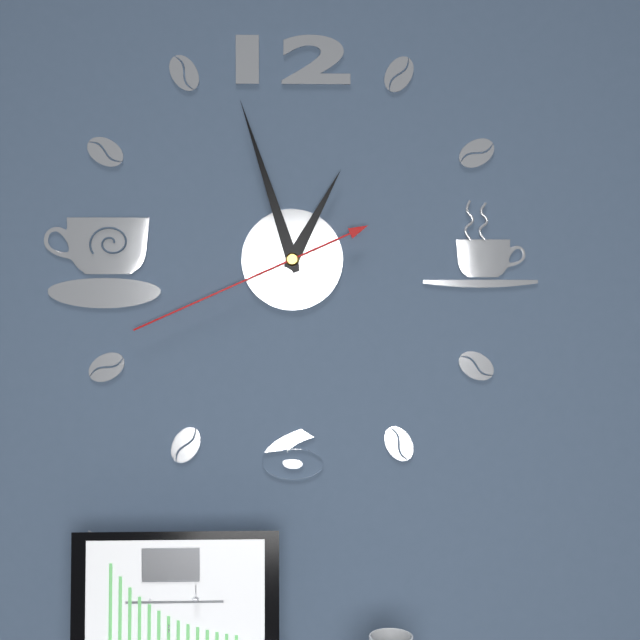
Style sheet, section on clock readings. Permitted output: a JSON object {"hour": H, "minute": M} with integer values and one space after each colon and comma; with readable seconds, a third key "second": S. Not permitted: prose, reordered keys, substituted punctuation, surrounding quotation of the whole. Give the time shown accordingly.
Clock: {"hour": 12, "minute": 57, "second": 41}
